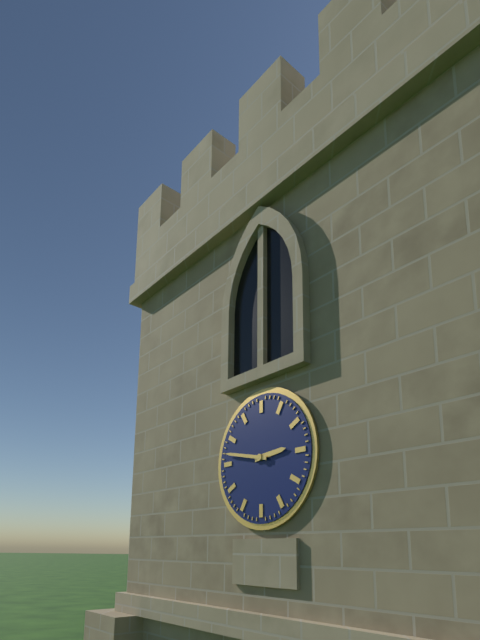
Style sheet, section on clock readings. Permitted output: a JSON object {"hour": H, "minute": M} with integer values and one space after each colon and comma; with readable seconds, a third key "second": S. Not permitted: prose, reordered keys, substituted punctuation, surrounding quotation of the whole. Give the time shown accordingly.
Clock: {"hour": 2, "minute": 47}
